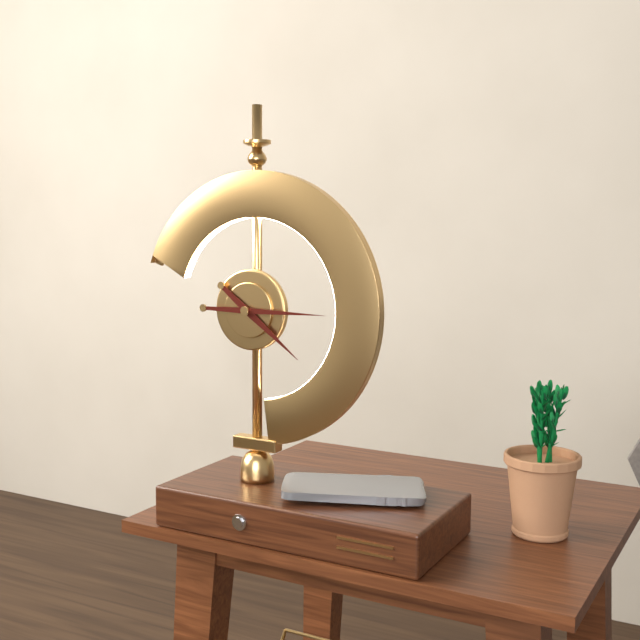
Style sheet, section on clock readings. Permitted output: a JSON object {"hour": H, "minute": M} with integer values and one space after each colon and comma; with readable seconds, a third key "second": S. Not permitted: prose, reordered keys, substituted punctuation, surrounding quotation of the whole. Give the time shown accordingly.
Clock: {"hour": 4, "minute": 15}
